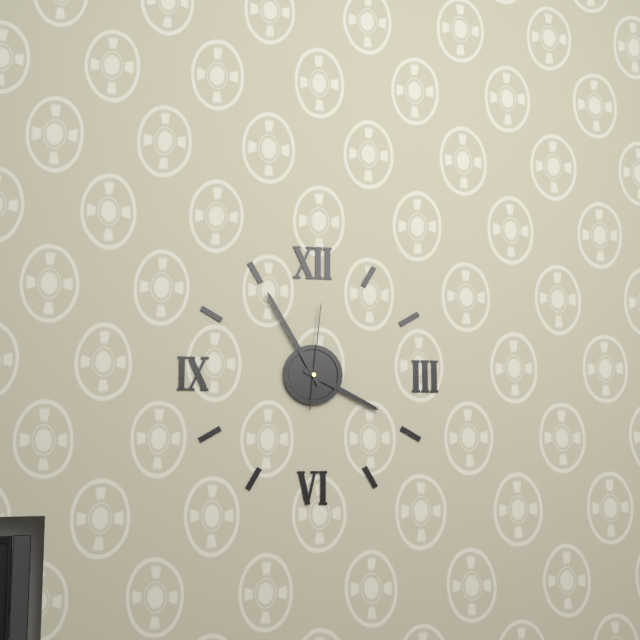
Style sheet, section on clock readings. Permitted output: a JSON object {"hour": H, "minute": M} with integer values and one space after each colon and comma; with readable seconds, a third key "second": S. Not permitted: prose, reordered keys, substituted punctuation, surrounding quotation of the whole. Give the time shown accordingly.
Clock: {"hour": 3, "minute": 55, "second": 1}
